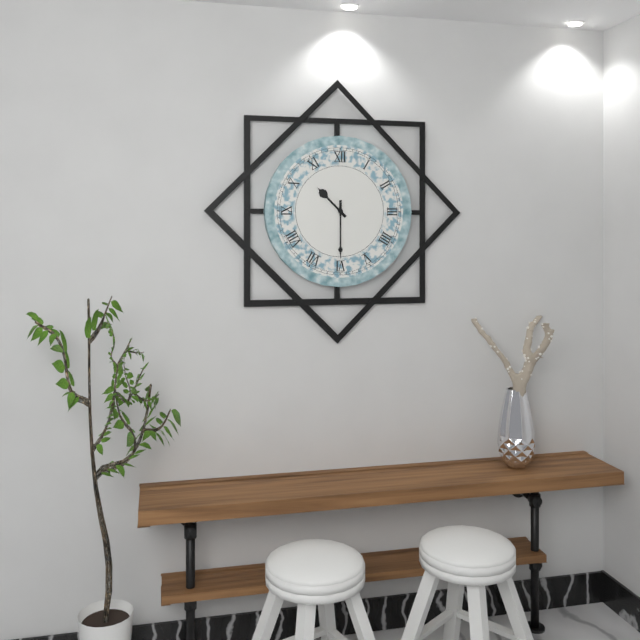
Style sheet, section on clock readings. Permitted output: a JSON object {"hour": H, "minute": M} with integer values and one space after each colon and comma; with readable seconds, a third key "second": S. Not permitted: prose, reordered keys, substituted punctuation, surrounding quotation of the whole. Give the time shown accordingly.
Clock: {"hour": 10, "minute": 30}
